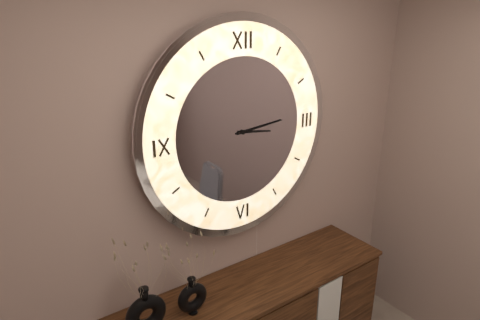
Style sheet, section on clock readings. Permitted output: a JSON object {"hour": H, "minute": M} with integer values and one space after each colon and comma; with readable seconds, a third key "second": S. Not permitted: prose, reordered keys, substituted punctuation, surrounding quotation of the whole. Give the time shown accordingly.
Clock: {"hour": 3, "minute": 14}
